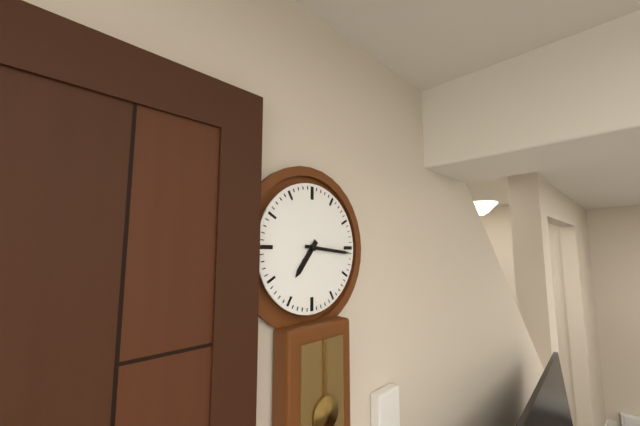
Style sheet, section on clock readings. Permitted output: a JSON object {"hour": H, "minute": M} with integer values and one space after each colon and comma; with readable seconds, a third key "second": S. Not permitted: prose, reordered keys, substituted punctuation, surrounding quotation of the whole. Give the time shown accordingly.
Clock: {"hour": 7, "minute": 16}
